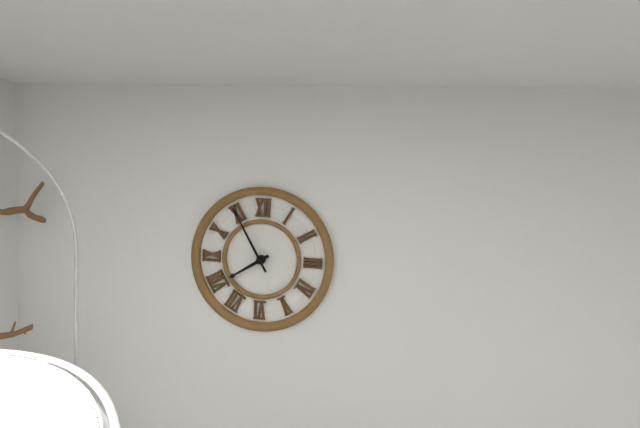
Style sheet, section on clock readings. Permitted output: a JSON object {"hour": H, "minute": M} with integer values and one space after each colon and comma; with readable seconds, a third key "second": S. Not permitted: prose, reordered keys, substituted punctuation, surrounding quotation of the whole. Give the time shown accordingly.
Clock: {"hour": 7, "minute": 55}
